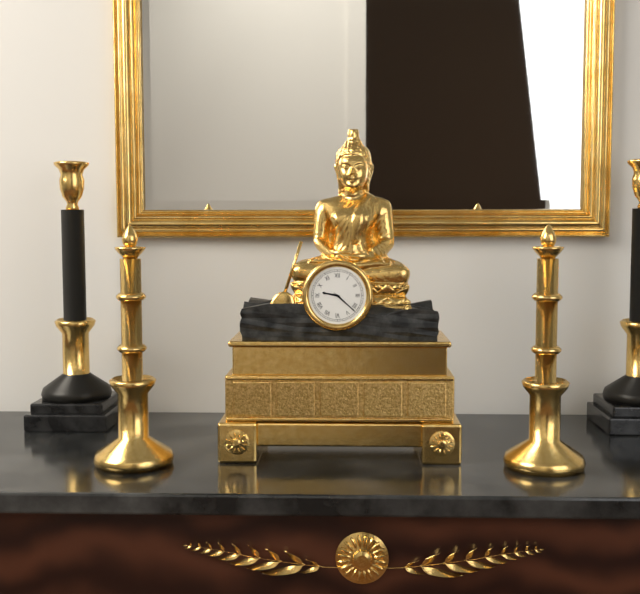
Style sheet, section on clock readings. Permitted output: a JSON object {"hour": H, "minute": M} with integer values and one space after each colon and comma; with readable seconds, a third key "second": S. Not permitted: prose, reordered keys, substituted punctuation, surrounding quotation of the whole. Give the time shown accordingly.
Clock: {"hour": 9, "minute": 22}
